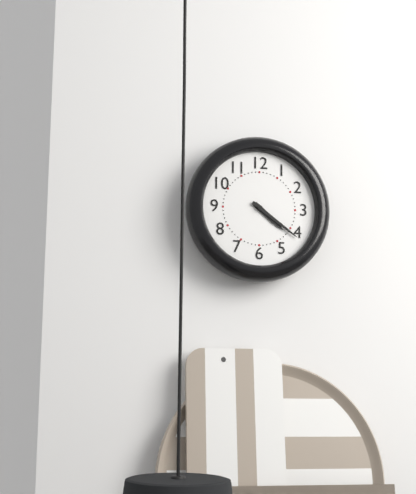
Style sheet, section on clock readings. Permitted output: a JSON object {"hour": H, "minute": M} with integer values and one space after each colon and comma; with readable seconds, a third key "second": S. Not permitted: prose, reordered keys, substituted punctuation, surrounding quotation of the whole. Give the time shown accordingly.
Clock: {"hour": 4, "minute": 21}
